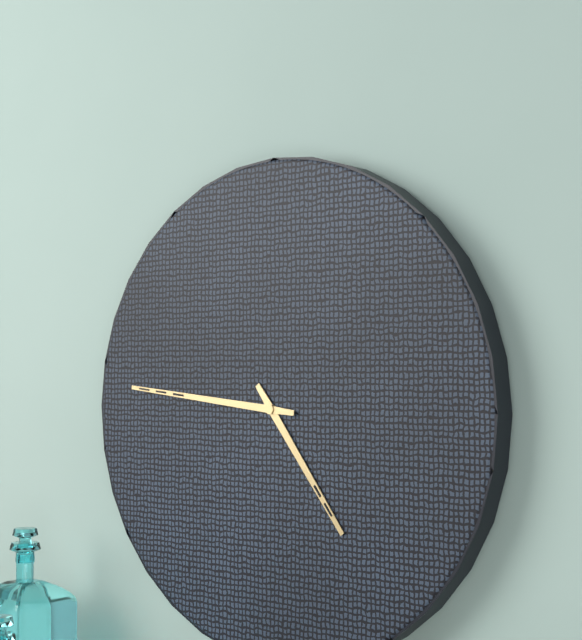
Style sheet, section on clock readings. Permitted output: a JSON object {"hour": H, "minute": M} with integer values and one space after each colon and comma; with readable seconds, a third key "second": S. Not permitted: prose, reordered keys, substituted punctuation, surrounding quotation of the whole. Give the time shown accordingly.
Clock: {"hour": 4, "minute": 46}
